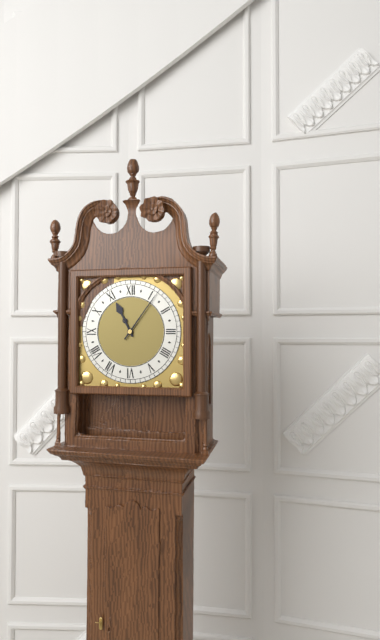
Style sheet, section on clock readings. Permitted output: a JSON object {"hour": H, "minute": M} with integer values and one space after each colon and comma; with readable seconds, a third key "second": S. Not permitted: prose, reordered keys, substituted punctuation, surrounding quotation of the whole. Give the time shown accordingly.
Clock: {"hour": 11, "minute": 6}
